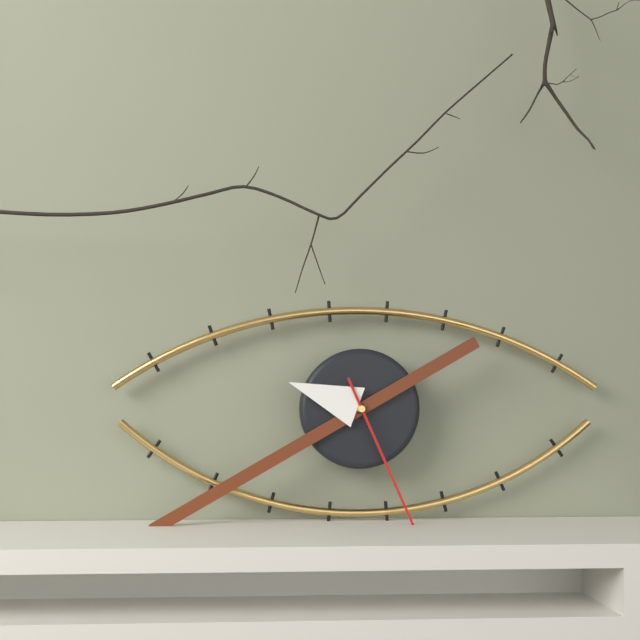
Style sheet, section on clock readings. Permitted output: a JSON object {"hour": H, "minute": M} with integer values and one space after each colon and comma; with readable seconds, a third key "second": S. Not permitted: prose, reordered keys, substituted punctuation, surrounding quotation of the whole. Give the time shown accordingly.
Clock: {"hour": 9, "minute": 40}
